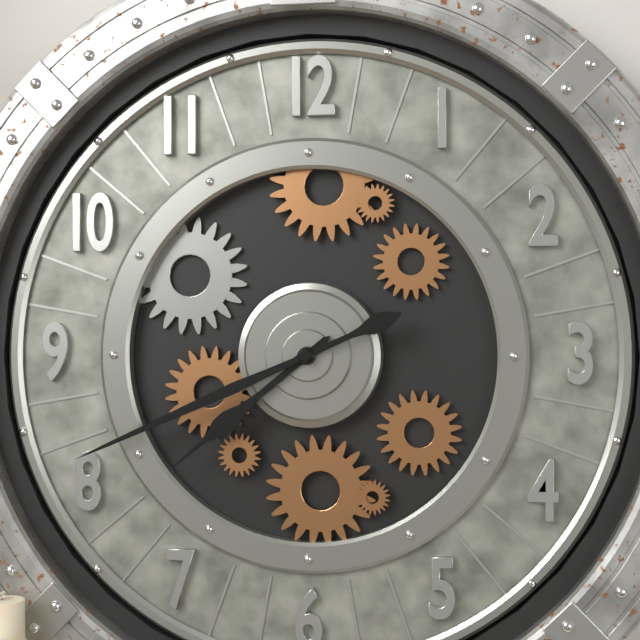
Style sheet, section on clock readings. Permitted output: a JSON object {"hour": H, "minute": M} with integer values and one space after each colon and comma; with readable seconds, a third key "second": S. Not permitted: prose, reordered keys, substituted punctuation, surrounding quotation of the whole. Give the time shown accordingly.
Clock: {"hour": 7, "minute": 41}
